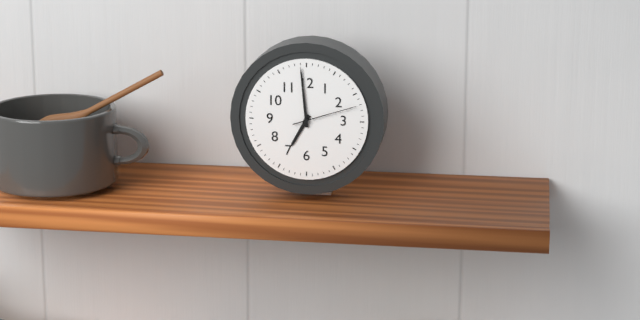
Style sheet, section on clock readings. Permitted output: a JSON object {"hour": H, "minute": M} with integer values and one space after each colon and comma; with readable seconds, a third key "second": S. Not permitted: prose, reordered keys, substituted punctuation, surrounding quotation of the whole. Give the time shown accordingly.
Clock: {"hour": 6, "minute": 59, "second": 12}
